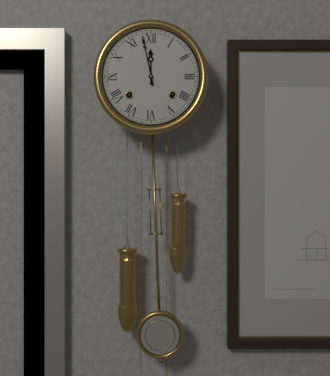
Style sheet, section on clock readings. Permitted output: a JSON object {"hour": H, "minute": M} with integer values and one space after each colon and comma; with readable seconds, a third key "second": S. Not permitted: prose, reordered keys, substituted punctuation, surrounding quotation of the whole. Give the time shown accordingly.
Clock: {"hour": 11, "minute": 58}
